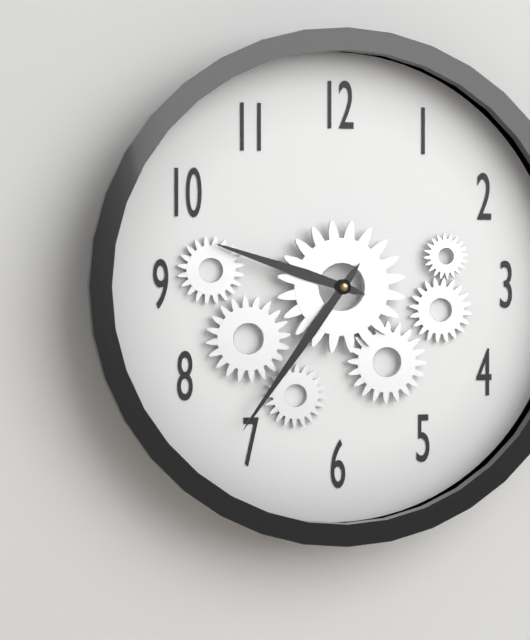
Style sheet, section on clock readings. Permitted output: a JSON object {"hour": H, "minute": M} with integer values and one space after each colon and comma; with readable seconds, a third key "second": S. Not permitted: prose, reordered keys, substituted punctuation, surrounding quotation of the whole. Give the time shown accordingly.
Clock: {"hour": 9, "minute": 36}
